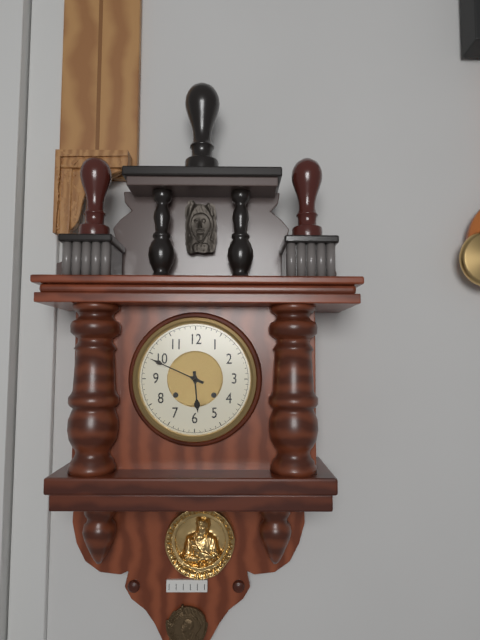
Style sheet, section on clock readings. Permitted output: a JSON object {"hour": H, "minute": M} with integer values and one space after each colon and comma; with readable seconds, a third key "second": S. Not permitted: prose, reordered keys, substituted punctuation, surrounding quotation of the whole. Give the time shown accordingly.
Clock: {"hour": 5, "minute": 49}
